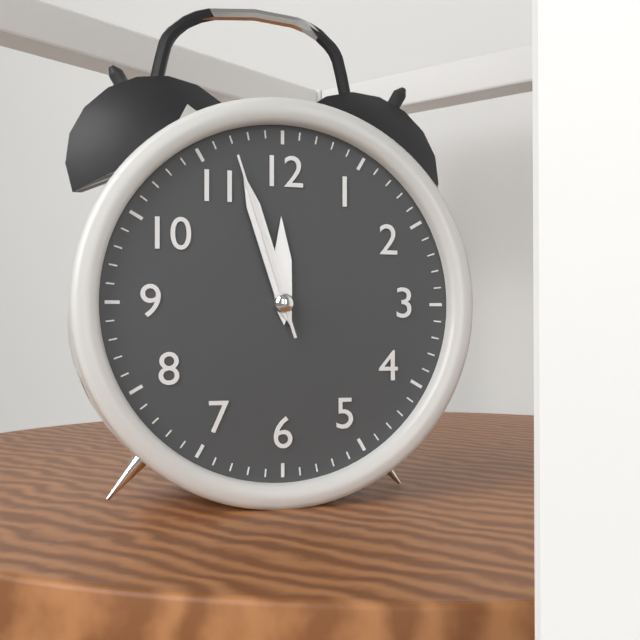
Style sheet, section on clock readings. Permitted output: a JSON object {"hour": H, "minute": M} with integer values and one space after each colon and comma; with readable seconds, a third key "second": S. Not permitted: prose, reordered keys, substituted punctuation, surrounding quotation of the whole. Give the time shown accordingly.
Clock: {"hour": 11, "minute": 57, "second": 57}
